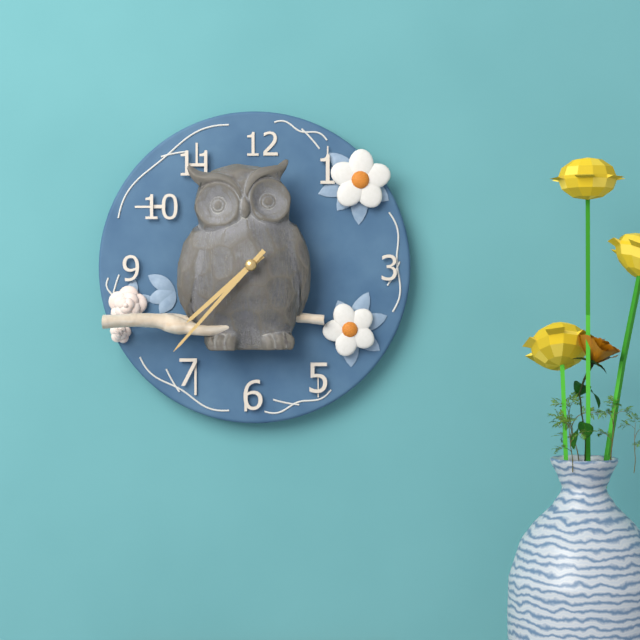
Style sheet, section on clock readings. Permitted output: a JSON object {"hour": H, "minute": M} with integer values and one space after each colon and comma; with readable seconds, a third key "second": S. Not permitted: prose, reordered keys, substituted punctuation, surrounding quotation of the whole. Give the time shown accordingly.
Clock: {"hour": 7, "minute": 37}
